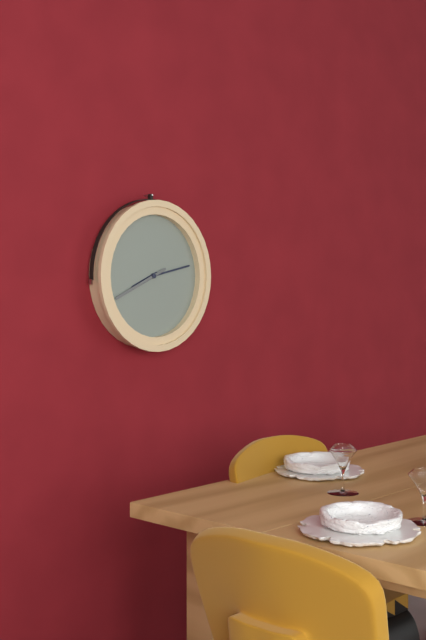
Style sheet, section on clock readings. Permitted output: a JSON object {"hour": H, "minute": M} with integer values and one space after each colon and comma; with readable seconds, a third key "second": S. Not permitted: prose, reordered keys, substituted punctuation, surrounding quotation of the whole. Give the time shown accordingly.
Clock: {"hour": 8, "minute": 13, "second": 41}
